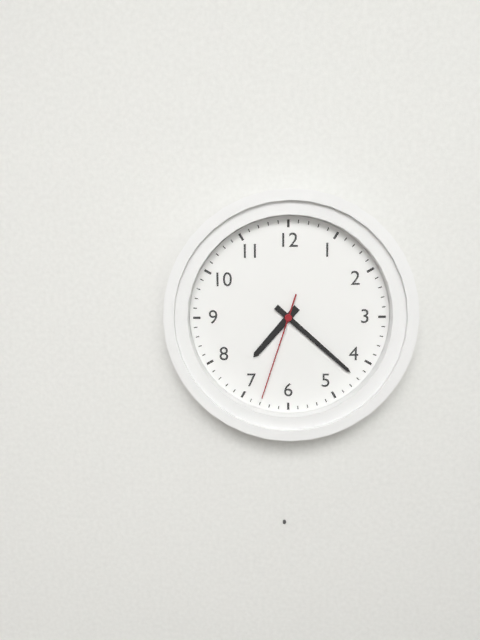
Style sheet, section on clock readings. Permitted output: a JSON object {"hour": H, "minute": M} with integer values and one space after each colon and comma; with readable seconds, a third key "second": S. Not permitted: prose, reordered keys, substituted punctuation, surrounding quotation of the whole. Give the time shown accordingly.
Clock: {"hour": 7, "minute": 22, "second": 33}
